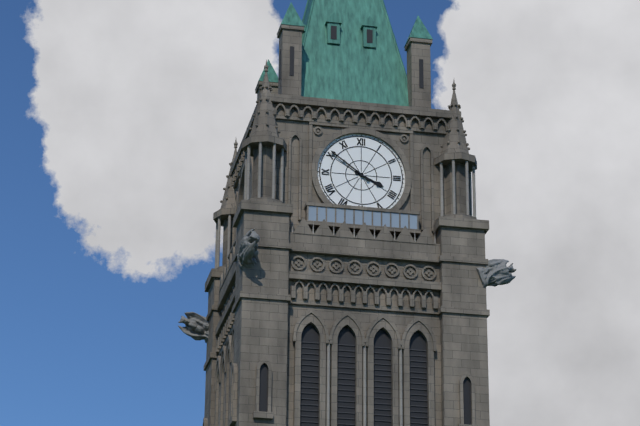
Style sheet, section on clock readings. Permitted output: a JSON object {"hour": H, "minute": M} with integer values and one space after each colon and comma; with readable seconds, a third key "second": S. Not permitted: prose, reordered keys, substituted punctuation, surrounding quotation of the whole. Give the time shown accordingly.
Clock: {"hour": 3, "minute": 51}
